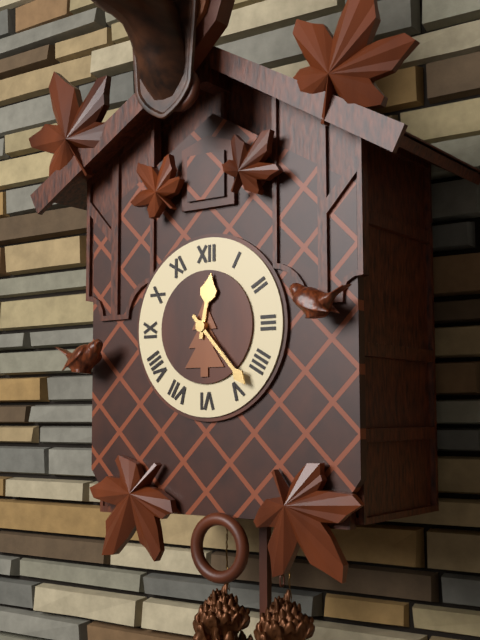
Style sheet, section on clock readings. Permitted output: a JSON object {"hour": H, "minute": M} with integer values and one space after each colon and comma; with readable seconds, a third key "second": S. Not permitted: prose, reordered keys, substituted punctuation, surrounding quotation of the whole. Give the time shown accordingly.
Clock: {"hour": 12, "minute": 23}
